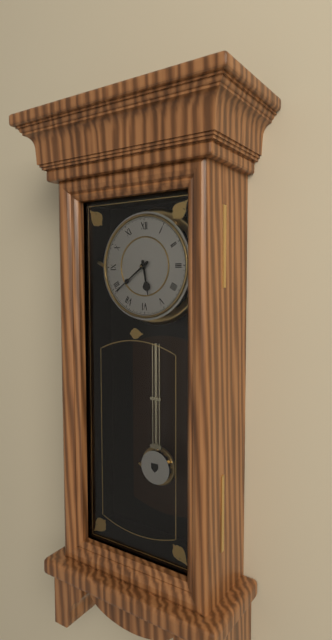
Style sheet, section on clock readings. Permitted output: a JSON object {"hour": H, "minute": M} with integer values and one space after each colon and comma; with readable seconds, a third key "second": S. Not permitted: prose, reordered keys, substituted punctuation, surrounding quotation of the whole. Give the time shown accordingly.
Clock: {"hour": 5, "minute": 39}
